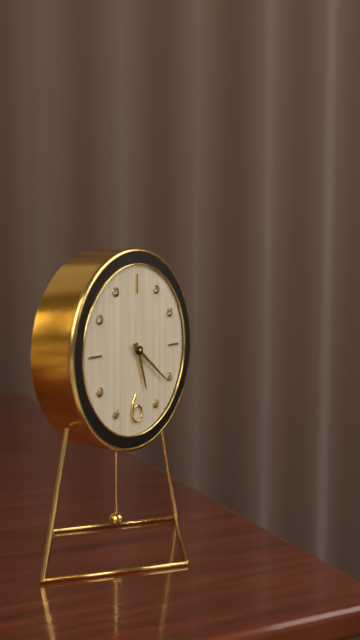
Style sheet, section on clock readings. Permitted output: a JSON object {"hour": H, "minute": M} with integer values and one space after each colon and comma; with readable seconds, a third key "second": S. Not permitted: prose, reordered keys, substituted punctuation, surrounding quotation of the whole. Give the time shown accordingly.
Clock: {"hour": 5, "minute": 21}
